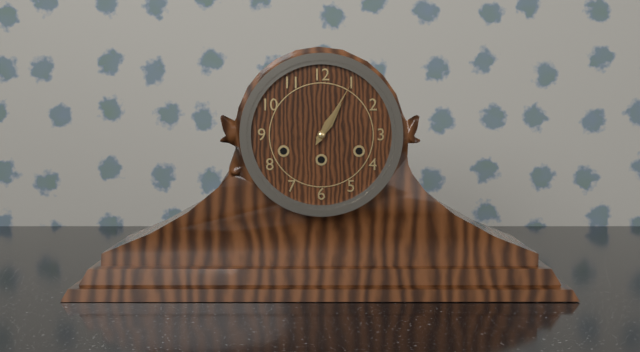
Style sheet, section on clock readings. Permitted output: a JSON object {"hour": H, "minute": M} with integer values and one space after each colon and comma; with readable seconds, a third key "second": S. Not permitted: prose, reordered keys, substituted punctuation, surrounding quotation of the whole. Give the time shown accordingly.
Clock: {"hour": 1, "minute": 5}
